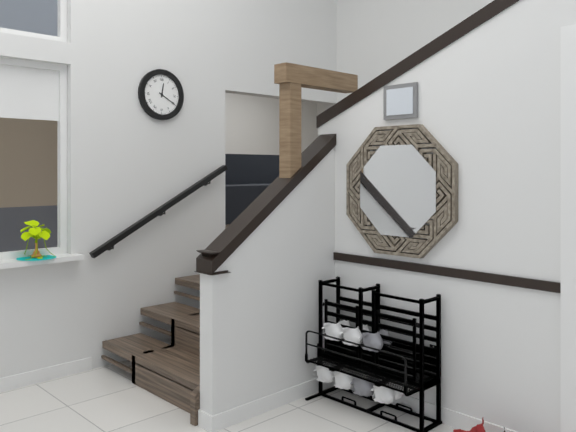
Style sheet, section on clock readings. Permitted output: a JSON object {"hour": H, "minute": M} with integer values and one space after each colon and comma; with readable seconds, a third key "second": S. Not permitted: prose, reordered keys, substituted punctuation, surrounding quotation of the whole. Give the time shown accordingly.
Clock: {"hour": 12, "minute": 20}
